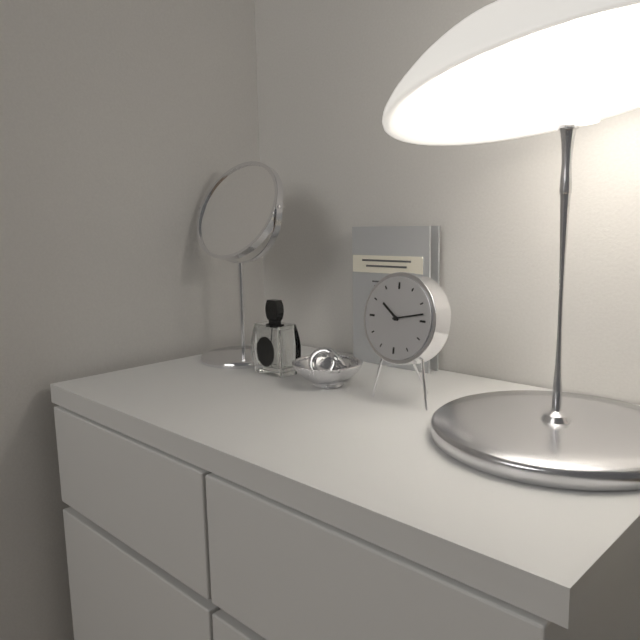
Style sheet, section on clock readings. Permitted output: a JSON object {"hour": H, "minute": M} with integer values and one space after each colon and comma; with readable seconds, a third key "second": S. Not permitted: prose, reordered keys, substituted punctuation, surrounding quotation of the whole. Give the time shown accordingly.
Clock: {"hour": 10, "minute": 13}
